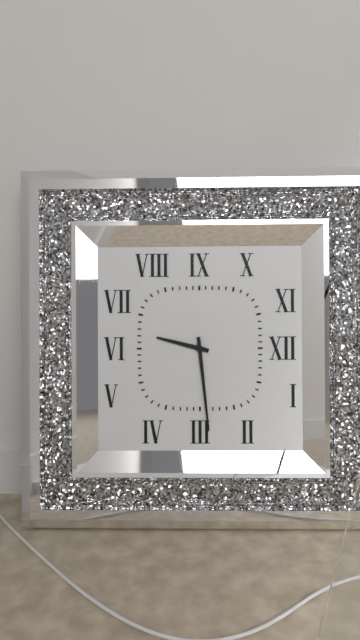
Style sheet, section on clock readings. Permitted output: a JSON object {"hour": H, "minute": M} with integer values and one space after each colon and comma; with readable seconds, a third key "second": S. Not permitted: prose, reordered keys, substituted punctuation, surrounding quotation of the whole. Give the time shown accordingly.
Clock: {"hour": 9, "minute": 29}
